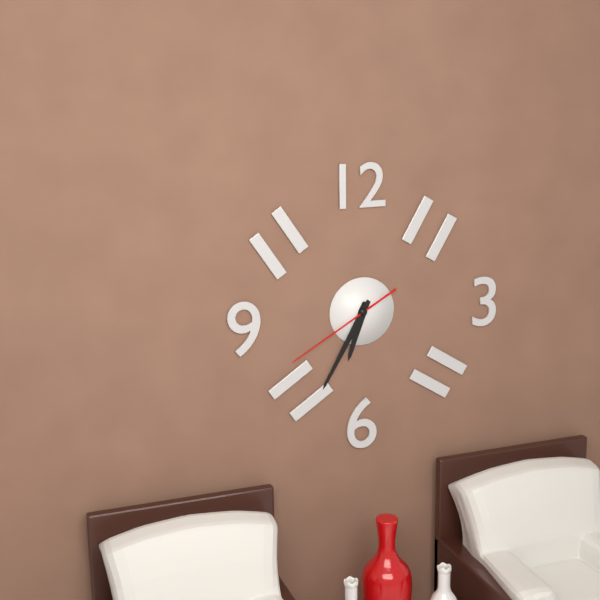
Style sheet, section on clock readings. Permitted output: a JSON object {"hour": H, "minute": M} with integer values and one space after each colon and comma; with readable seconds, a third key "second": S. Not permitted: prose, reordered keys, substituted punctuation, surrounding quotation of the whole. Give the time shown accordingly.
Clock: {"hour": 6, "minute": 35, "second": 40}
